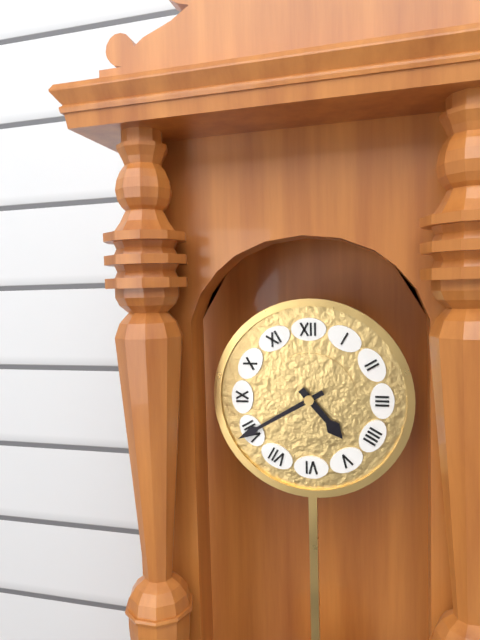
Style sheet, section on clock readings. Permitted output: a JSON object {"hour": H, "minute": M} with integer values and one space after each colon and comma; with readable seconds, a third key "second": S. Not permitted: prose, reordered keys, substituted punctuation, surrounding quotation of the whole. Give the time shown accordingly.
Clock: {"hour": 4, "minute": 40}
